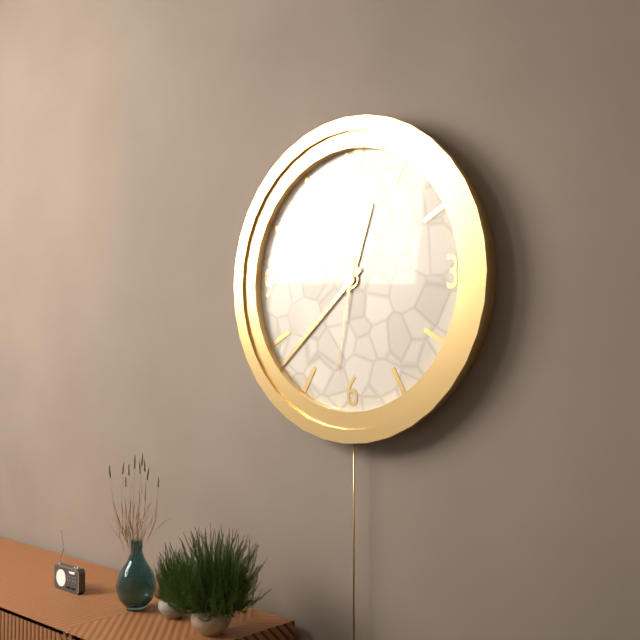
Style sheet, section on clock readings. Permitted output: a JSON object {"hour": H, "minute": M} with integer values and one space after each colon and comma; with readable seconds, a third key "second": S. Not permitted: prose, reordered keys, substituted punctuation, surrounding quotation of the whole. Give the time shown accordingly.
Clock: {"hour": 12, "minute": 38, "second": 32}
